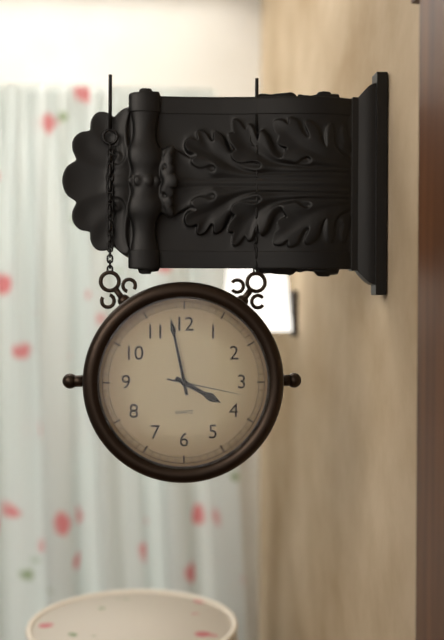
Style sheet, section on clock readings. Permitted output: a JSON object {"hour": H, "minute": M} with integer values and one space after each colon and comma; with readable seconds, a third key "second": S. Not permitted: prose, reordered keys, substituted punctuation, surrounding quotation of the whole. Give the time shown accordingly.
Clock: {"hour": 3, "minute": 58, "second": 17}
